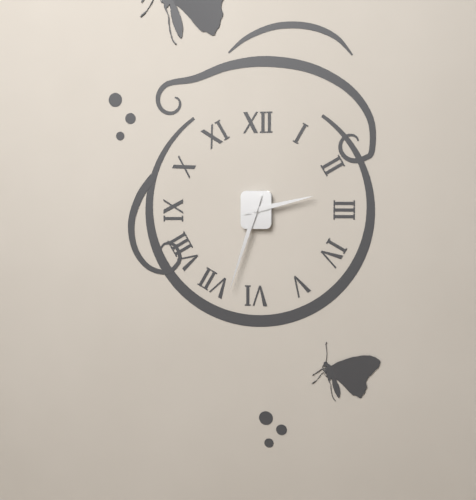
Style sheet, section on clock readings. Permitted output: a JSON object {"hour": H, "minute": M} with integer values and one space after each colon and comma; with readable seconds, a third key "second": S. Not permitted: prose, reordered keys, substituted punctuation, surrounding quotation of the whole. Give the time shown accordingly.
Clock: {"hour": 2, "minute": 33}
